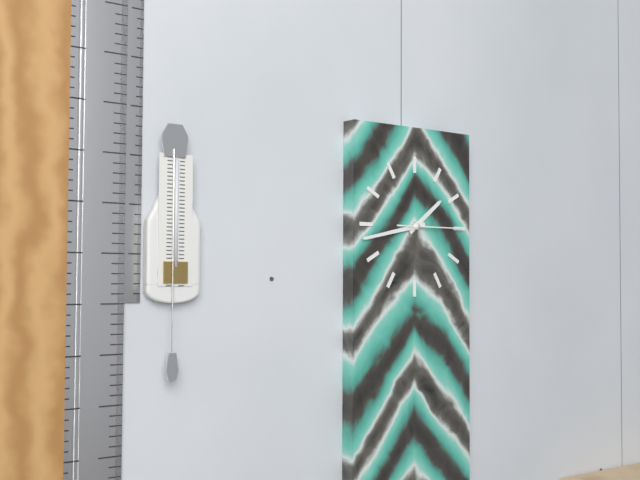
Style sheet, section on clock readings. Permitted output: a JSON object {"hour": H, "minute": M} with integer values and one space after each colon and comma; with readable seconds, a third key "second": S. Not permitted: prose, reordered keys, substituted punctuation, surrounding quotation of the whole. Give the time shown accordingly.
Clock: {"hour": 1, "minute": 43, "second": 15}
